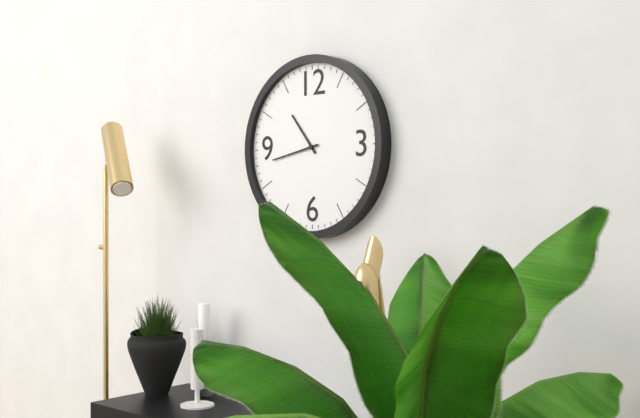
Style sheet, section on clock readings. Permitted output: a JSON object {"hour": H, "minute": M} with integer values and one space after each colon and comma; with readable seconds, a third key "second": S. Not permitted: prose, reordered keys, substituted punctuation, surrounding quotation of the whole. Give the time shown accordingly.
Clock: {"hour": 10, "minute": 43}
